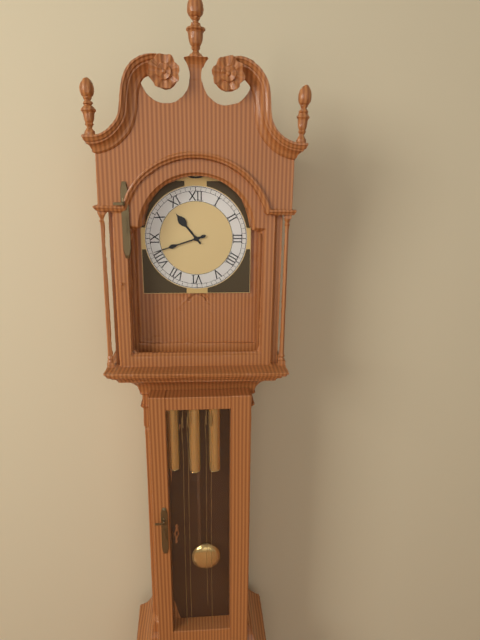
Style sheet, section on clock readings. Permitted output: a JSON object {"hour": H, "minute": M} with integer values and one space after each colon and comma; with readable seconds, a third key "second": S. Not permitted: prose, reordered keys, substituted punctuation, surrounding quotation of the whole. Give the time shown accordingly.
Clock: {"hour": 10, "minute": 42}
